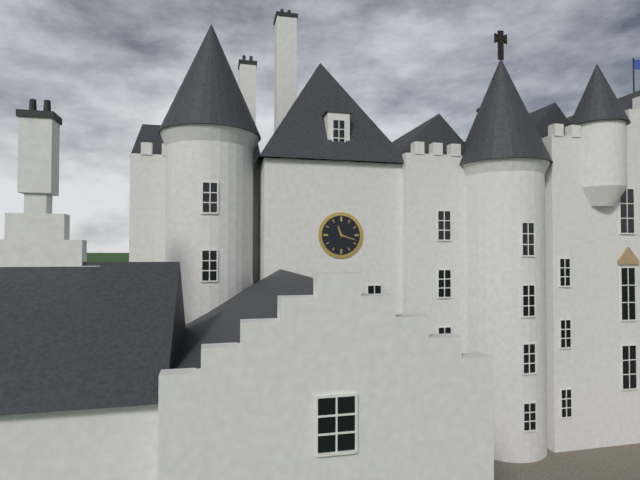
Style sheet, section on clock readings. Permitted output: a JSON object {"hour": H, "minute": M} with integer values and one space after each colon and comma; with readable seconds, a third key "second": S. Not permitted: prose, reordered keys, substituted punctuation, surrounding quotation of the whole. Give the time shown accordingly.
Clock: {"hour": 11, "minute": 18}
